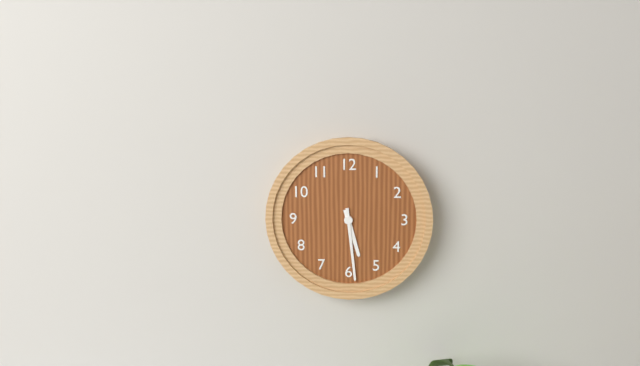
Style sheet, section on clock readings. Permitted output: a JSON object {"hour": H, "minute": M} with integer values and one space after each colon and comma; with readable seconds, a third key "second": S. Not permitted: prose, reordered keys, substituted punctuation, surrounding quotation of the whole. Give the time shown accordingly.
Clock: {"hour": 5, "minute": 29}
